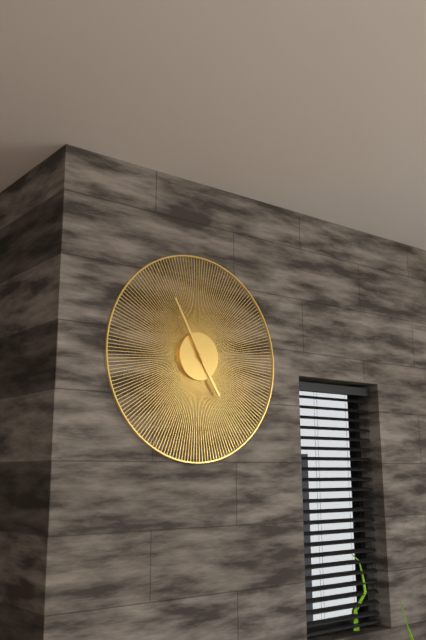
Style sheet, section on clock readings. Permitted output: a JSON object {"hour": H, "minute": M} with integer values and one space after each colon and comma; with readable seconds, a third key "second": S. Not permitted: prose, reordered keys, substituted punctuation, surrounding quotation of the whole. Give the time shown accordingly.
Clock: {"hour": 4, "minute": 55}
